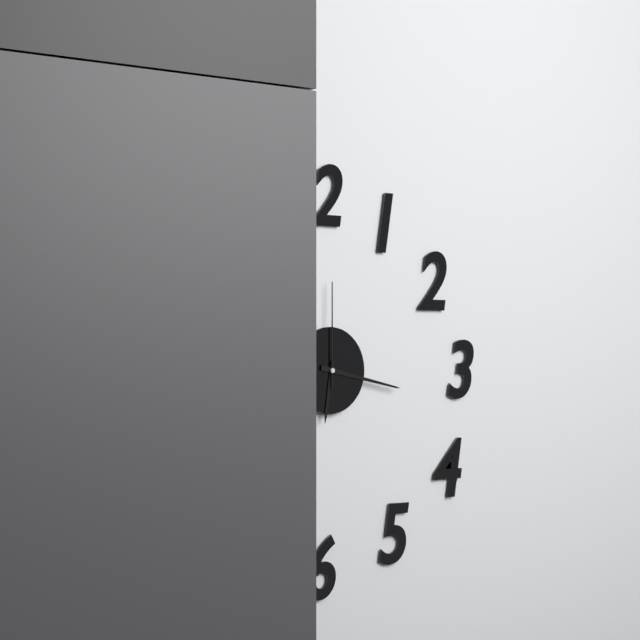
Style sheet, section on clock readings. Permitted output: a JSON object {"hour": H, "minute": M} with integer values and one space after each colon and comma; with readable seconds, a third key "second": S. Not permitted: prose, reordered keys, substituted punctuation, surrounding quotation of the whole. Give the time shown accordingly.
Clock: {"hour": 6, "minute": 17, "second": 0}
